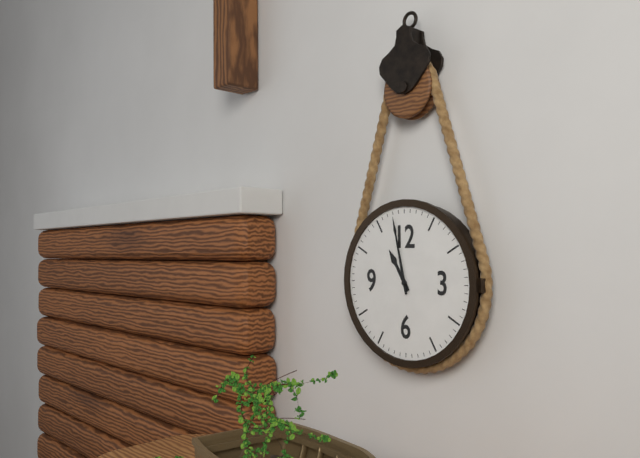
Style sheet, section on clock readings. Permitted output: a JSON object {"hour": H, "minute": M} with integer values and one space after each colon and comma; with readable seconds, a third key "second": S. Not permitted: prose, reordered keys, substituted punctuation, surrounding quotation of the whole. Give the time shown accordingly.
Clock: {"hour": 10, "minute": 58}
